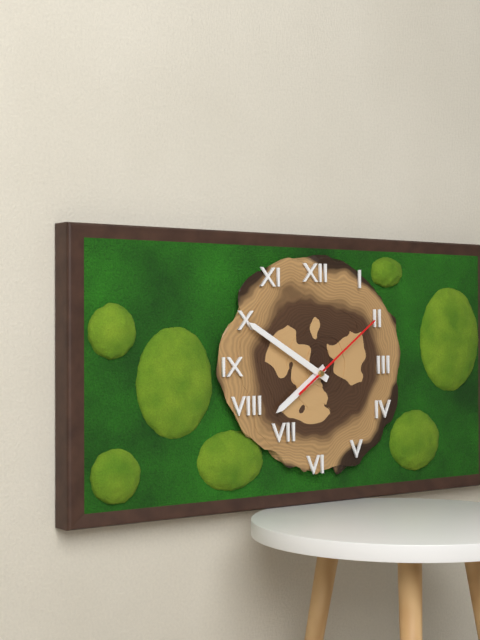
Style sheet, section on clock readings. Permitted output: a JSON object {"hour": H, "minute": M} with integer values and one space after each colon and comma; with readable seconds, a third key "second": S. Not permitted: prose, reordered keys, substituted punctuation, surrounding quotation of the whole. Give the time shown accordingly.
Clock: {"hour": 7, "minute": 50, "second": 9}
